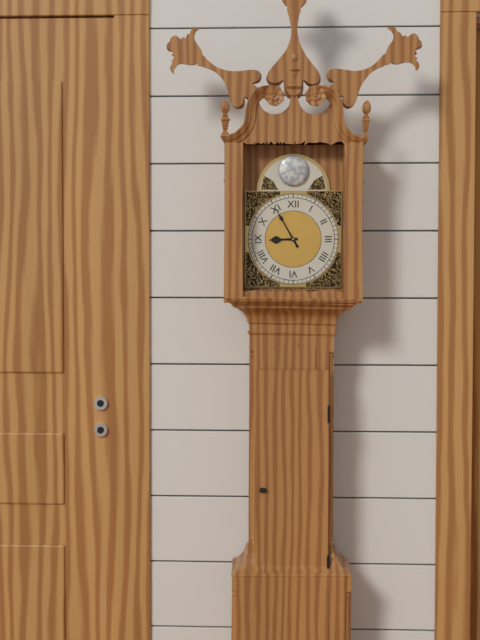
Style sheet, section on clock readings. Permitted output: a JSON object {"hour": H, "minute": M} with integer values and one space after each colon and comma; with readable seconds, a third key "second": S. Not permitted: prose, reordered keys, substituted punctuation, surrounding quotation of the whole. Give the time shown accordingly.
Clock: {"hour": 8, "minute": 55}
